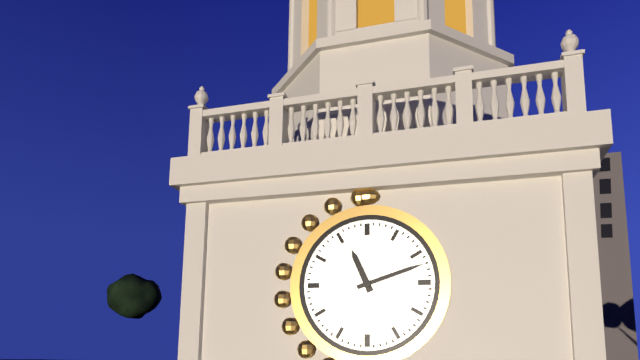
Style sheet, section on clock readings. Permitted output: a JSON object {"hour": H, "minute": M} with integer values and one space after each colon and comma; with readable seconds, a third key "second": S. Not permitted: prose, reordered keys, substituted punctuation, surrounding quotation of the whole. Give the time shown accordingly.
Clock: {"hour": 11, "minute": 12}
